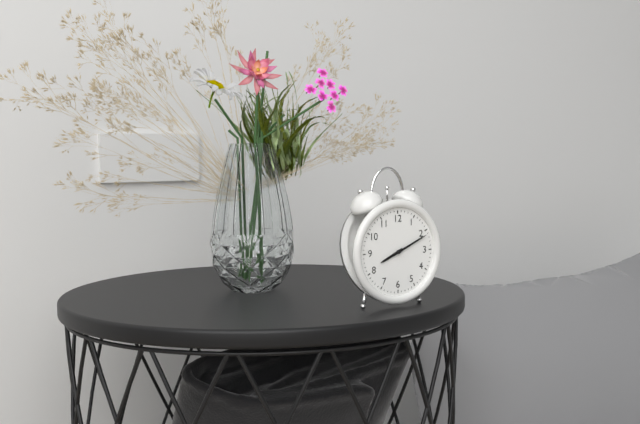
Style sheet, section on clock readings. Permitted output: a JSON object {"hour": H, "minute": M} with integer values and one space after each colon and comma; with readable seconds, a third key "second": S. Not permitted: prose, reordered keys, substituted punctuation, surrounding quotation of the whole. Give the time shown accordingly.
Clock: {"hour": 8, "minute": 11}
